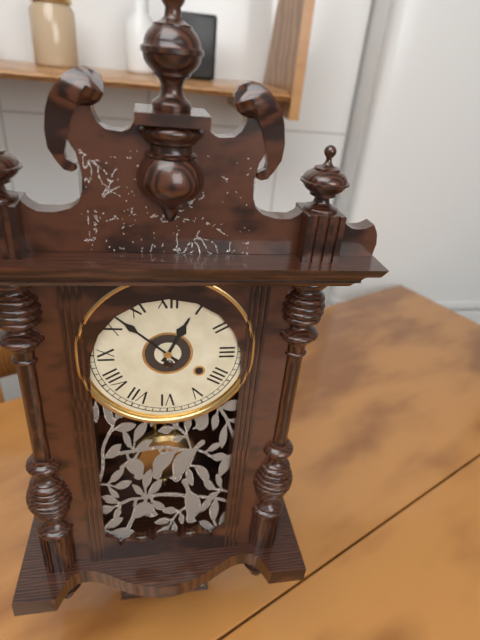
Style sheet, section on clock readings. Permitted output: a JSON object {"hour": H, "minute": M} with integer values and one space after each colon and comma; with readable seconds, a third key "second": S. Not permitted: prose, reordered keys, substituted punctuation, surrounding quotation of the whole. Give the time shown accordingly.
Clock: {"hour": 12, "minute": 52}
